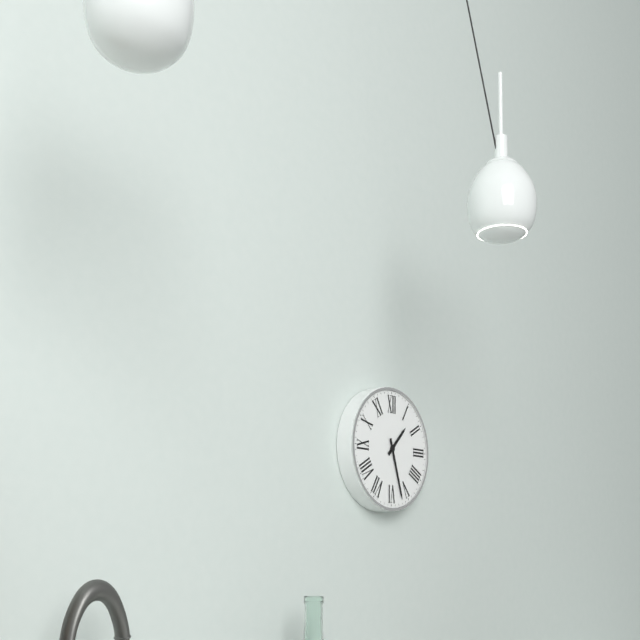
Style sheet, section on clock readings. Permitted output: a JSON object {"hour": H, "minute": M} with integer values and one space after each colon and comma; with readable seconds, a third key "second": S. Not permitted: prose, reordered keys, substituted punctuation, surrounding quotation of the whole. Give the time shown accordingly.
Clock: {"hour": 1, "minute": 27}
